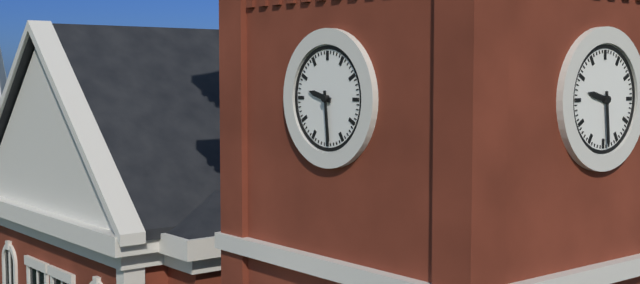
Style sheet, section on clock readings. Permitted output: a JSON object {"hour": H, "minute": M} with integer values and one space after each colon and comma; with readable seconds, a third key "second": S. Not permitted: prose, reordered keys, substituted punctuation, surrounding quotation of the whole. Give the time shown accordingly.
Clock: {"hour": 9, "minute": 29}
